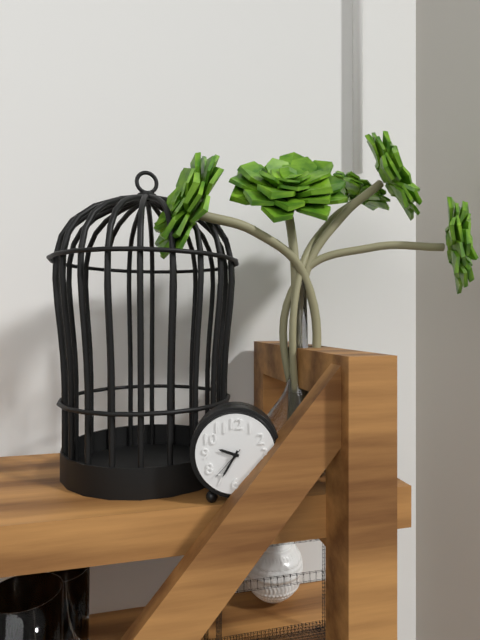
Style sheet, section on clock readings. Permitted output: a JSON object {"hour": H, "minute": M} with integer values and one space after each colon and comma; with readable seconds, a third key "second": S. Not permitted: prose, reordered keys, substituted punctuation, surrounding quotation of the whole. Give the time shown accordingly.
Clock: {"hour": 9, "minute": 35}
